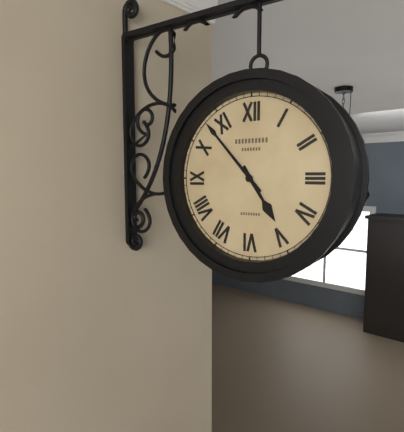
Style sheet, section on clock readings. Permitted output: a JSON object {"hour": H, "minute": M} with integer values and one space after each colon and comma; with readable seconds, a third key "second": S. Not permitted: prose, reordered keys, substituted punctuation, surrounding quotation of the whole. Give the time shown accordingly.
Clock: {"hour": 4, "minute": 53}
